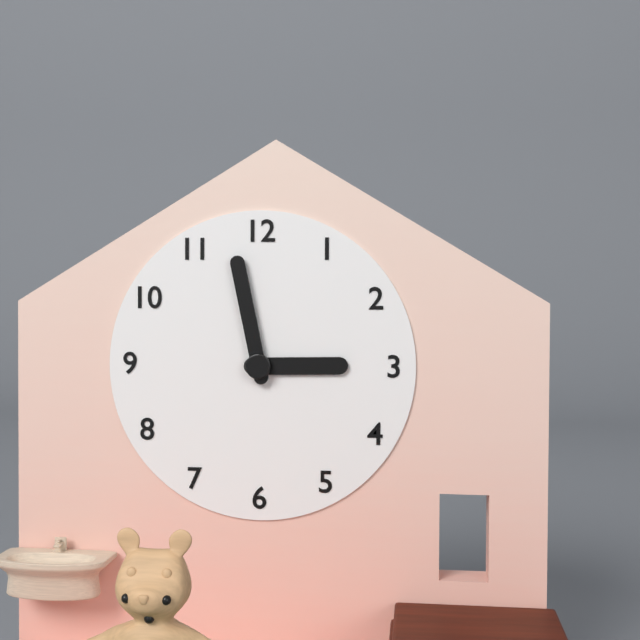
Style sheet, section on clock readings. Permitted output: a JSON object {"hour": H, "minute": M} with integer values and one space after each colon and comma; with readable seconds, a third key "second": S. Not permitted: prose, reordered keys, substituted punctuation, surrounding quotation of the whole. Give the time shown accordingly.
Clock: {"hour": 2, "minute": 58}
